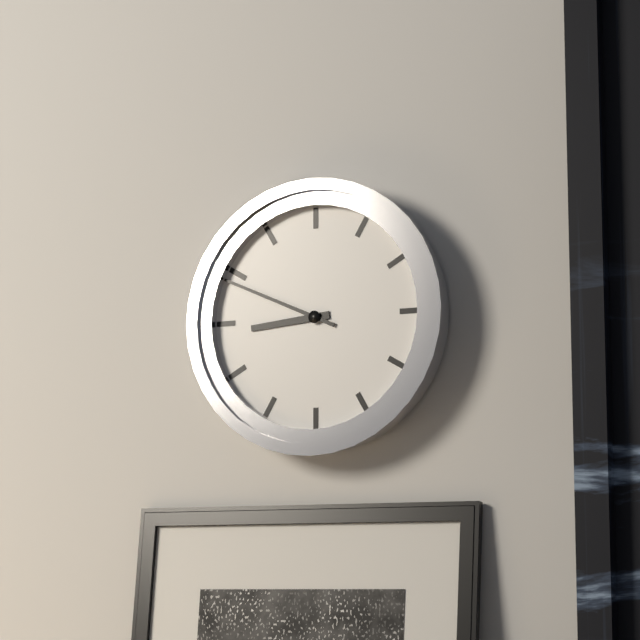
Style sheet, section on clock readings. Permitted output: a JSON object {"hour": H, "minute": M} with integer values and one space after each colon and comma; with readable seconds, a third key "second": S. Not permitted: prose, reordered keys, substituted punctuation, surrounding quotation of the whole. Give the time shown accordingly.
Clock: {"hour": 8, "minute": 49}
